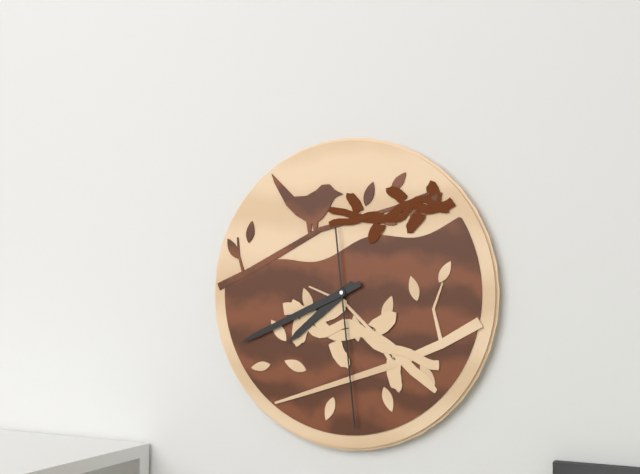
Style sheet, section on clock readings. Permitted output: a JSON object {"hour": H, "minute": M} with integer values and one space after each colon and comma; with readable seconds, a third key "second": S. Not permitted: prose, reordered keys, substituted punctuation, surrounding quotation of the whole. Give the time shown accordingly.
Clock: {"hour": 7, "minute": 41, "second": 29}
